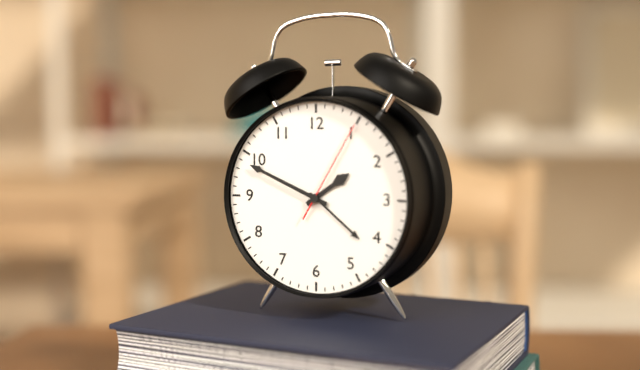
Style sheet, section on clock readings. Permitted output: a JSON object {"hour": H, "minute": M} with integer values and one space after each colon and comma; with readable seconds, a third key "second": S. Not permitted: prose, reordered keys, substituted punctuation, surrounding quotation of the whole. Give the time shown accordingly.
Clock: {"hour": 1, "minute": 49, "second": 5}
